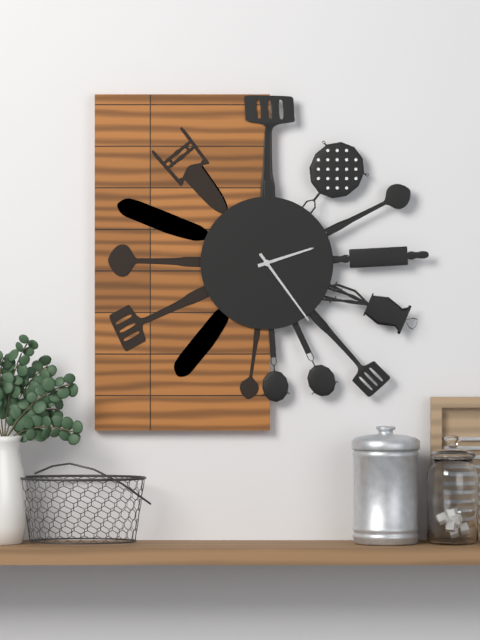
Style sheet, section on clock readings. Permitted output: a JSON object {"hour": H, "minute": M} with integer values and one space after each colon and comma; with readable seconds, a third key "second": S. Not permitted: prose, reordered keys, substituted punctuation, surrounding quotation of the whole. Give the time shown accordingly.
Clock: {"hour": 2, "minute": 24}
